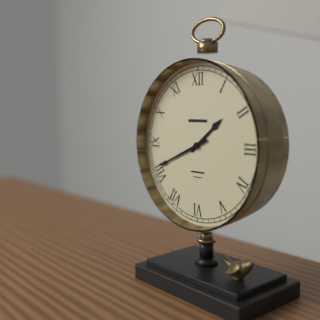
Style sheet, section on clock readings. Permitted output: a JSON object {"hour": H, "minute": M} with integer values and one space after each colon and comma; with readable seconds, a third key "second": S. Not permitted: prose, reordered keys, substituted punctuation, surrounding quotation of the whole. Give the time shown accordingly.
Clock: {"hour": 1, "minute": 41}
